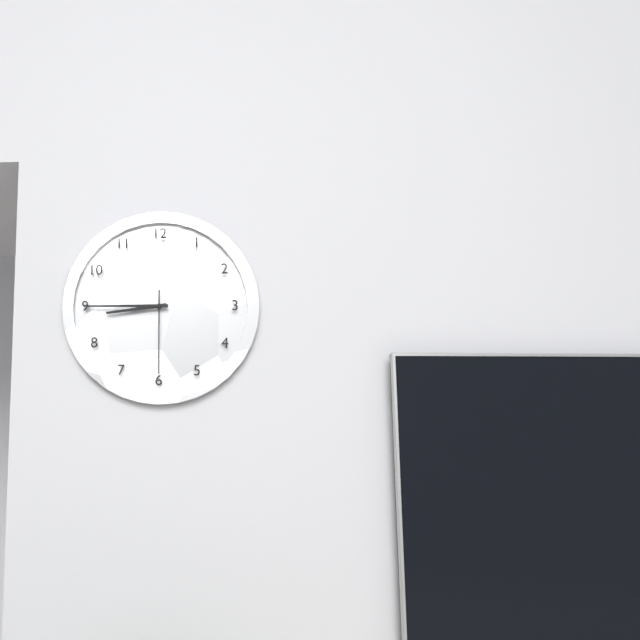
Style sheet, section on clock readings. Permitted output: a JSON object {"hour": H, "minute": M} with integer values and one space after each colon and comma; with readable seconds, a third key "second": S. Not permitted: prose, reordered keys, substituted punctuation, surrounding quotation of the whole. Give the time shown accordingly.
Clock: {"hour": 8, "minute": 45, "second": 30}
